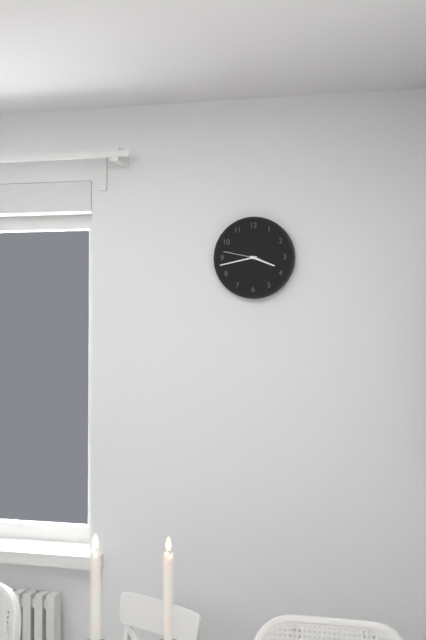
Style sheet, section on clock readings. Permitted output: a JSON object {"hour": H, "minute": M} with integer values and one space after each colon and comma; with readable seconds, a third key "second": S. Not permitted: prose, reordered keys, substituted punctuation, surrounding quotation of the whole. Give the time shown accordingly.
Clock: {"hour": 3, "minute": 43}
